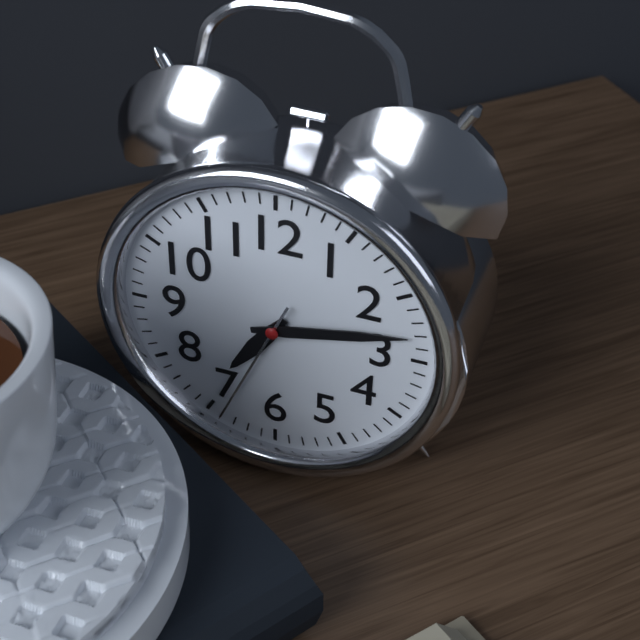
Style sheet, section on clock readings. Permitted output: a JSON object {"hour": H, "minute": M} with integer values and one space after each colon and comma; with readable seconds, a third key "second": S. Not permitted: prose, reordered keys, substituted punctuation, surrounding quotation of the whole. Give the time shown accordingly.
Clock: {"hour": 7, "minute": 13, "second": 34}
